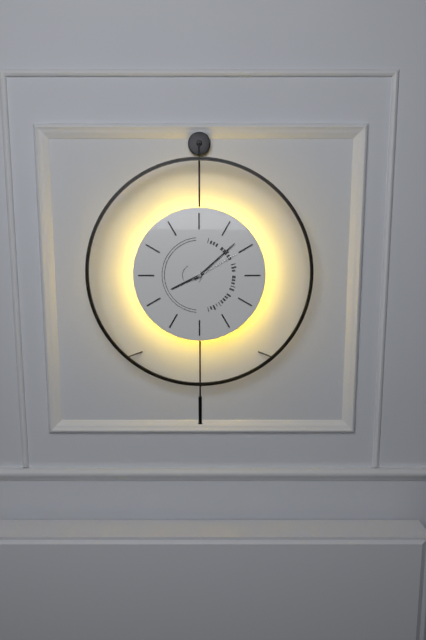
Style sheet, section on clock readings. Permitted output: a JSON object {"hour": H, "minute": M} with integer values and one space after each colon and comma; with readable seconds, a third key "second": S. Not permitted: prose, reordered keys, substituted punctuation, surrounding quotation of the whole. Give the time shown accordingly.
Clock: {"hour": 8, "minute": 8, "second": 10}
